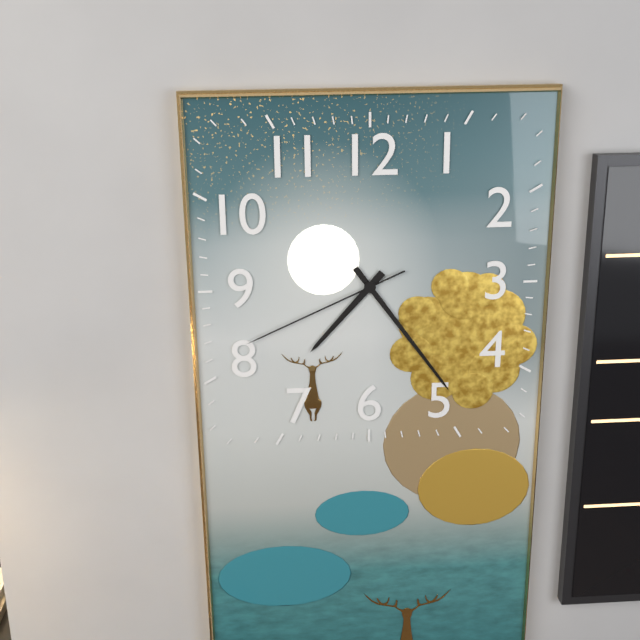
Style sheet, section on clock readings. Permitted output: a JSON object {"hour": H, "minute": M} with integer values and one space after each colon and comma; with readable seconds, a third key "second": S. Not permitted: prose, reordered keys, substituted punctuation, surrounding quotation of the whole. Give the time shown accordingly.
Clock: {"hour": 7, "minute": 24, "second": 41}
